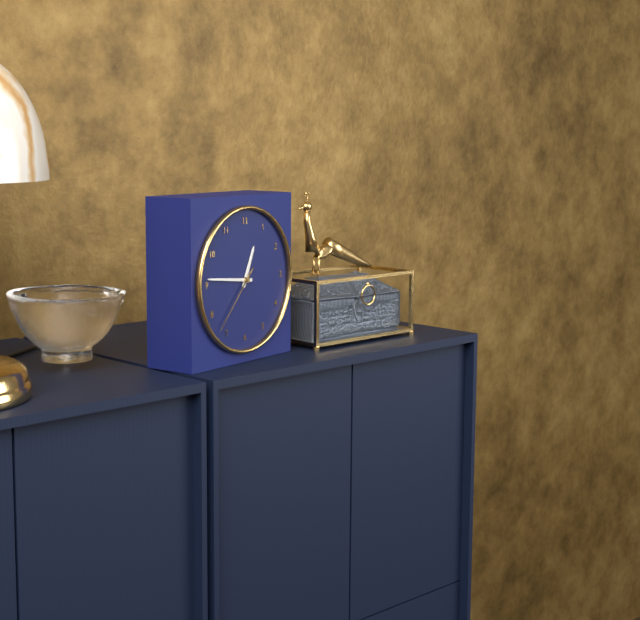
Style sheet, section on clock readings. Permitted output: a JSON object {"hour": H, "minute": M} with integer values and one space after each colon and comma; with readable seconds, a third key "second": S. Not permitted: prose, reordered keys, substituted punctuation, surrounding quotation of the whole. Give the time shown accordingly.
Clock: {"hour": 12, "minute": 46, "second": 37}
